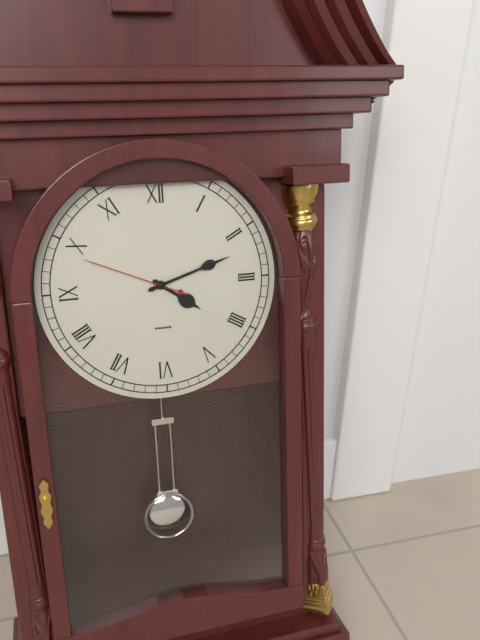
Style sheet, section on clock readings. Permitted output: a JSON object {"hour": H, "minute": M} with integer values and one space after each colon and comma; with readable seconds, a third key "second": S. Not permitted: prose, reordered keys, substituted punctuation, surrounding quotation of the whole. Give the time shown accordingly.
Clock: {"hour": 4, "minute": 12, "second": 49}
